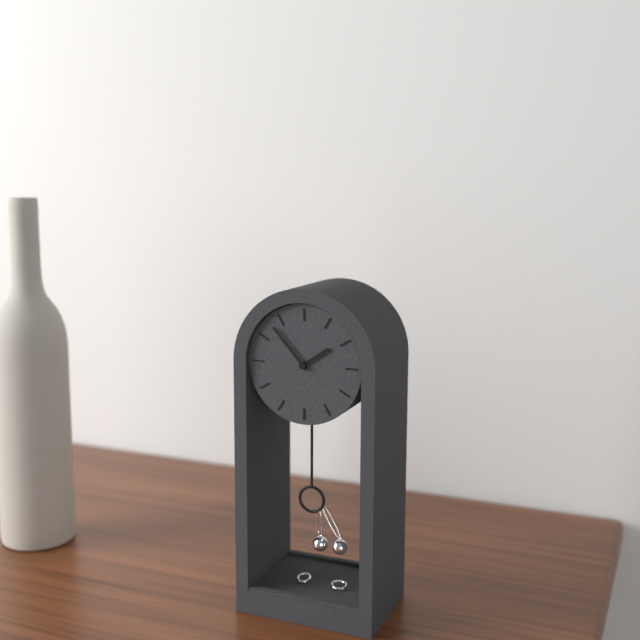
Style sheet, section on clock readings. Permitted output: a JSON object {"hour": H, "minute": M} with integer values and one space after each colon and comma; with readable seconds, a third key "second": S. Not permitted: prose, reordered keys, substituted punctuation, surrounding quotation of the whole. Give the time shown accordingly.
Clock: {"hour": 1, "minute": 53}
